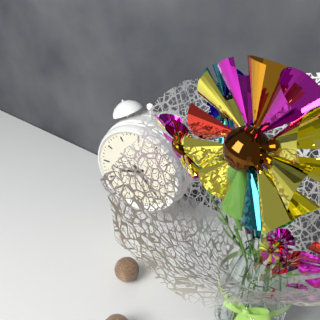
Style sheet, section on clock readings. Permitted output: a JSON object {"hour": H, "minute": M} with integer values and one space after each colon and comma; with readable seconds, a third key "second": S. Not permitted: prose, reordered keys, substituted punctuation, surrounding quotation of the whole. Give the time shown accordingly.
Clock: {"hour": 8, "minute": 23}
